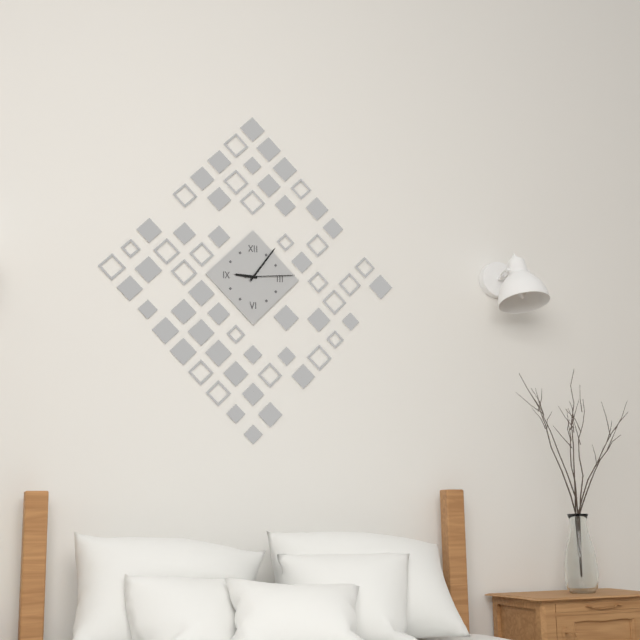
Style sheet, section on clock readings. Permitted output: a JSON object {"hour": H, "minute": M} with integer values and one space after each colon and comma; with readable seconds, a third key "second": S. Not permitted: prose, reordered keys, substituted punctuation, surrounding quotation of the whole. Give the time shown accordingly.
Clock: {"hour": 9, "minute": 6, "second": 14}
